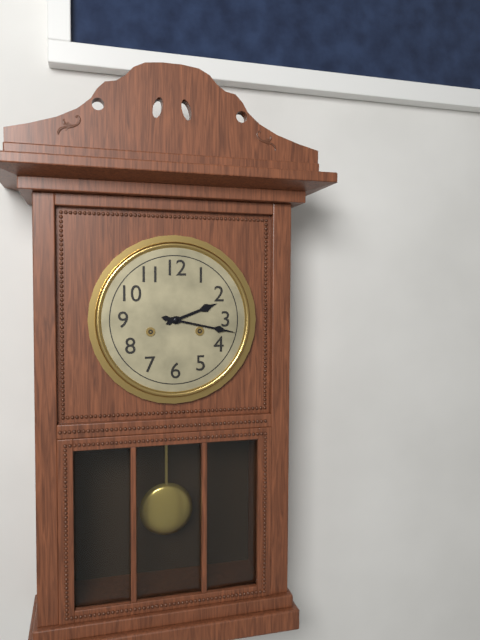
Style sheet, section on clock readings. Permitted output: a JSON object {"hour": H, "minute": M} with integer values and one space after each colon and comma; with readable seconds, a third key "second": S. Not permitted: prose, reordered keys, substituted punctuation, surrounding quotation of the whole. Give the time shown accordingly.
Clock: {"hour": 2, "minute": 17}
